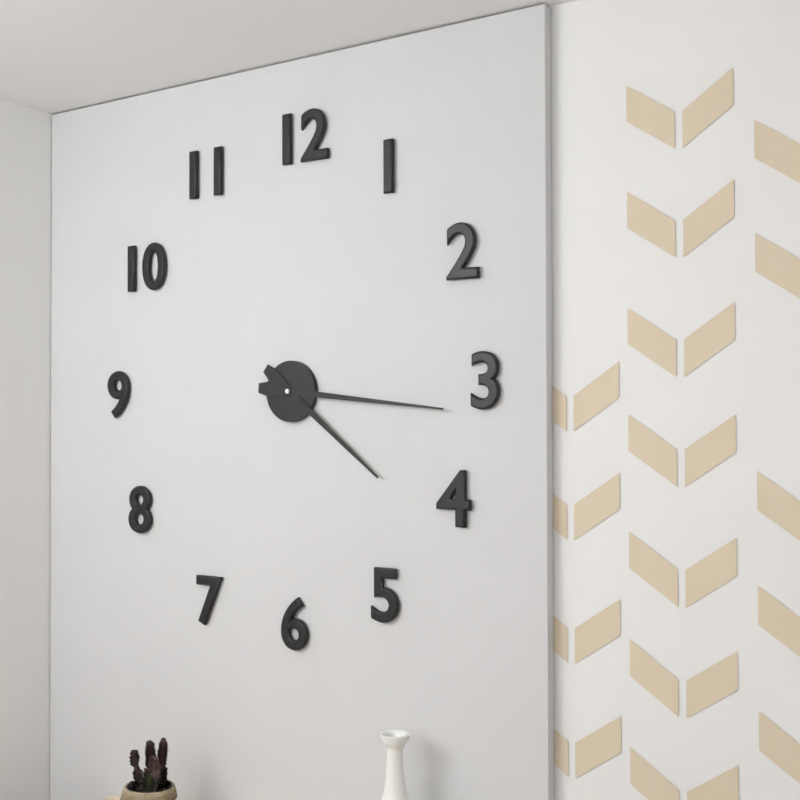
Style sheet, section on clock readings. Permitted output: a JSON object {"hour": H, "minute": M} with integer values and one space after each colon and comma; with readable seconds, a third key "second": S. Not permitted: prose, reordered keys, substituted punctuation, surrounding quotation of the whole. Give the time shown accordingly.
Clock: {"hour": 4, "minute": 16}
